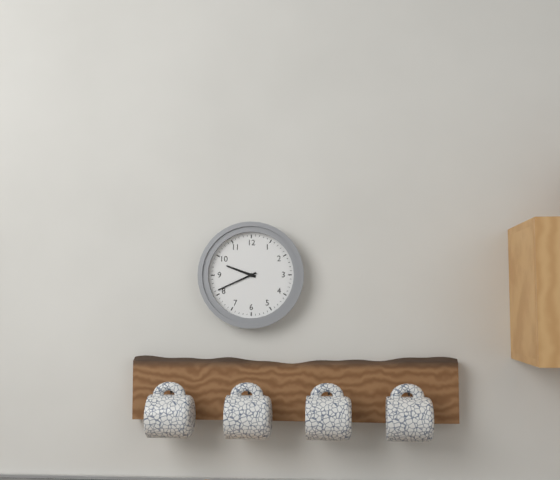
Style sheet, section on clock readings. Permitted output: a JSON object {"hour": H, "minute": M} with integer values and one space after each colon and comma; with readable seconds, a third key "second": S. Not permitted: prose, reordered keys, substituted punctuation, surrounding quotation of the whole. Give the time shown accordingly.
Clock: {"hour": 9, "minute": 41}
